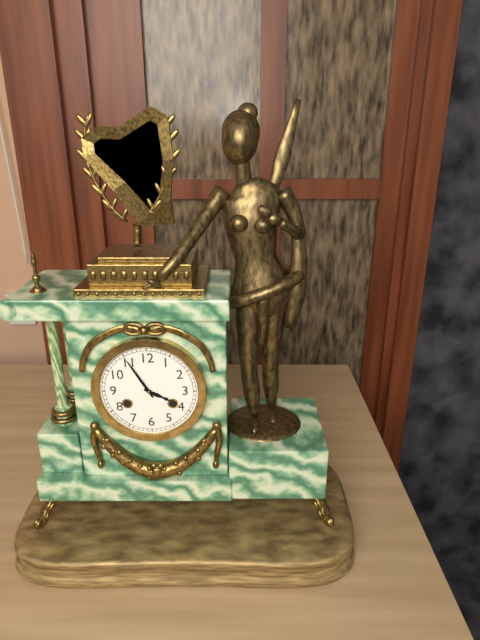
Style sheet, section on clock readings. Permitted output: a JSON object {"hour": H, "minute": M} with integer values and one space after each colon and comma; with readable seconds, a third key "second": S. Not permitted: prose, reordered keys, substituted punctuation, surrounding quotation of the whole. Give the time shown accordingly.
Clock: {"hour": 3, "minute": 55}
